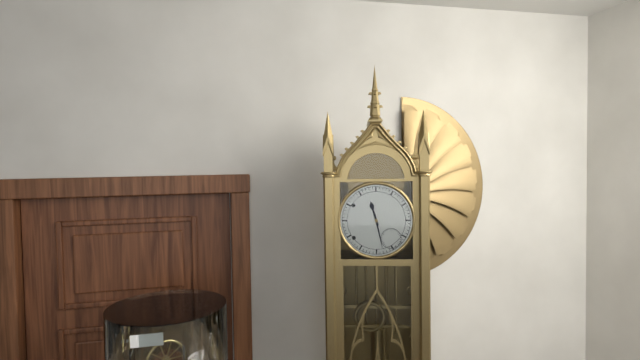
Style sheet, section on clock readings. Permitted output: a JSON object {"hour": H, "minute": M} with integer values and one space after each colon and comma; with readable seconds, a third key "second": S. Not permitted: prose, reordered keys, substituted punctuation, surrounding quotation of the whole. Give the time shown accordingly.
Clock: {"hour": 11, "minute": 28}
